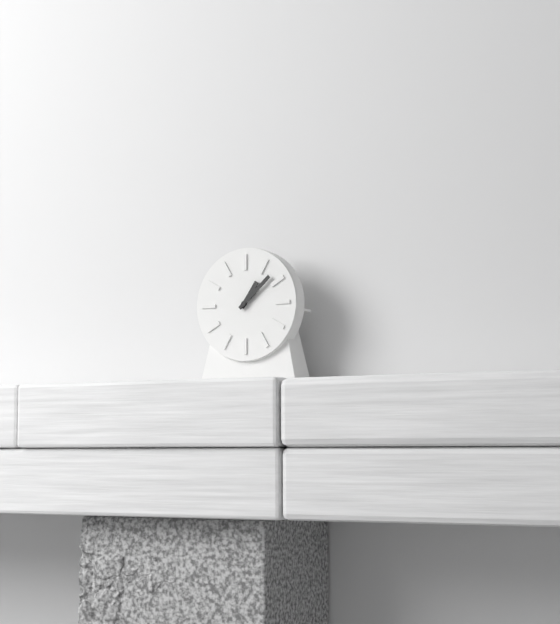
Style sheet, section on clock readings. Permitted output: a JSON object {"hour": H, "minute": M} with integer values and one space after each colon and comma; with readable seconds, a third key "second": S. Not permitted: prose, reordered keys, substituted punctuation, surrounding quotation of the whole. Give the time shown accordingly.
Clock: {"hour": 1, "minute": 8}
